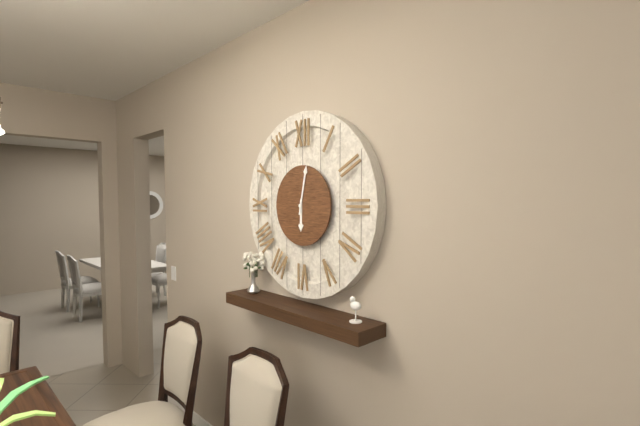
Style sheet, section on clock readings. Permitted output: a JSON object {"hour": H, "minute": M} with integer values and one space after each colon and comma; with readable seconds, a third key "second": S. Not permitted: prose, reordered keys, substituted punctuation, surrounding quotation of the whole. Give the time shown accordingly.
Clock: {"hour": 6, "minute": 2}
